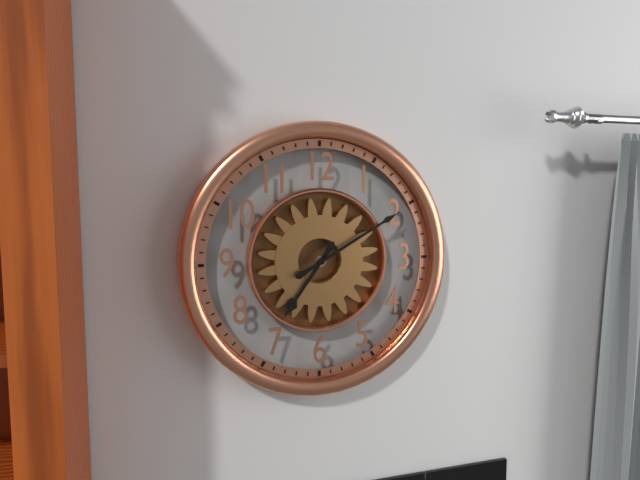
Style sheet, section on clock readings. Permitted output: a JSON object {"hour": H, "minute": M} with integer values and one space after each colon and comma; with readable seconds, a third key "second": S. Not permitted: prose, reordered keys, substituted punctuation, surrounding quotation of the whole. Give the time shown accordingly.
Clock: {"hour": 7, "minute": 10}
